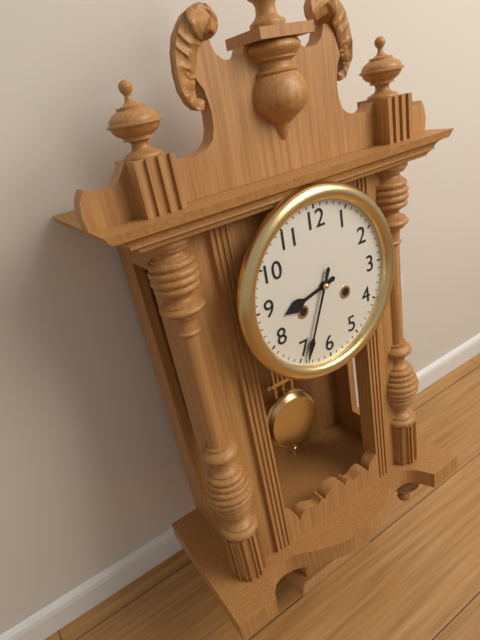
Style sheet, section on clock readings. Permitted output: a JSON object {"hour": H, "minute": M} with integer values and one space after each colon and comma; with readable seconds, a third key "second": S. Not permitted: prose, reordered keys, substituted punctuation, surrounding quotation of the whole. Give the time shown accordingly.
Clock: {"hour": 8, "minute": 34}
